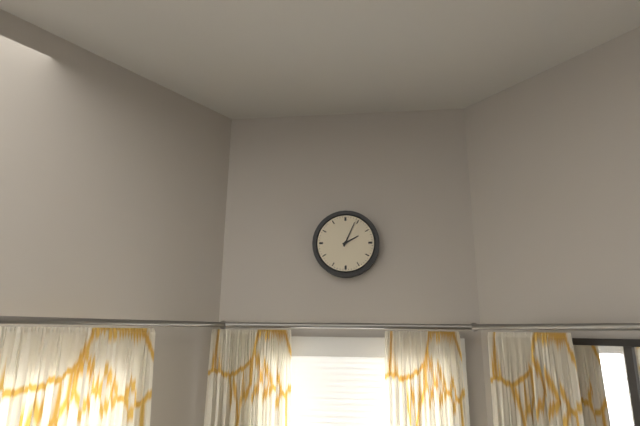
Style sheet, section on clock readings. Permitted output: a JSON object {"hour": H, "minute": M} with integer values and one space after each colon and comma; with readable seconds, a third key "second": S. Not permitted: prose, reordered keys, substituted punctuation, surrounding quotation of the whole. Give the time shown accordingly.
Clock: {"hour": 2, "minute": 4}
